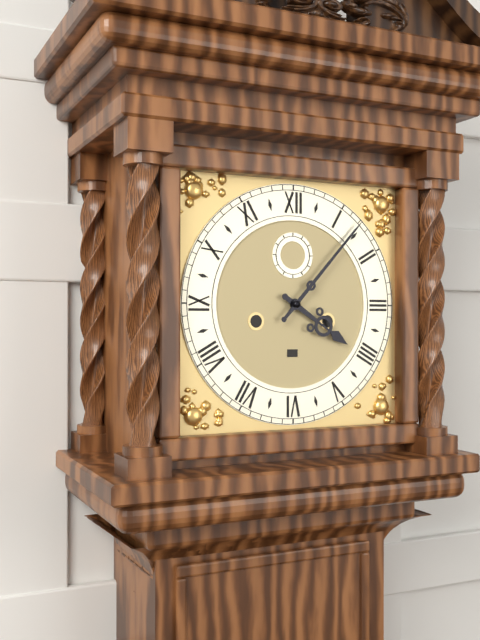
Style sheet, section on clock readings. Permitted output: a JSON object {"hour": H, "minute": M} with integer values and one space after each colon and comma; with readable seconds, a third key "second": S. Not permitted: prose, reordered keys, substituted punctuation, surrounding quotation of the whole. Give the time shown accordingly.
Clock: {"hour": 4, "minute": 7}
